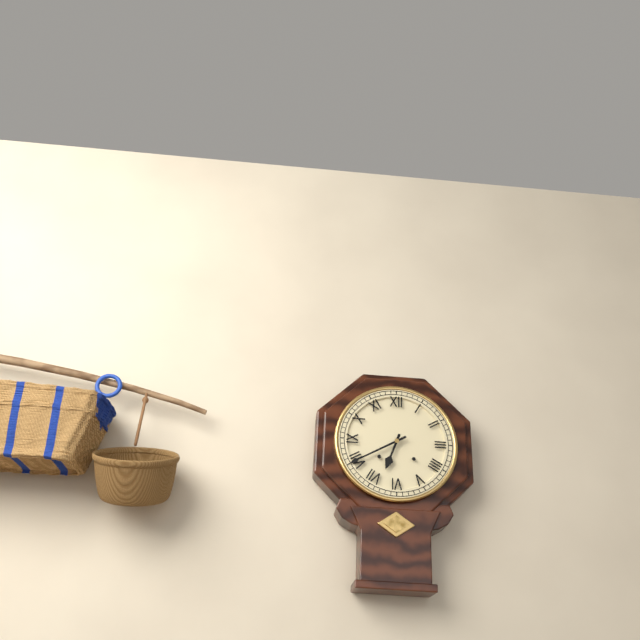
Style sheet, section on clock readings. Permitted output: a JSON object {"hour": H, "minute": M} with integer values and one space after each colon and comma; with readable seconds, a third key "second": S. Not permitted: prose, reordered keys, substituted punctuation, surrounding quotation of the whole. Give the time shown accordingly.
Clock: {"hour": 6, "minute": 40}
